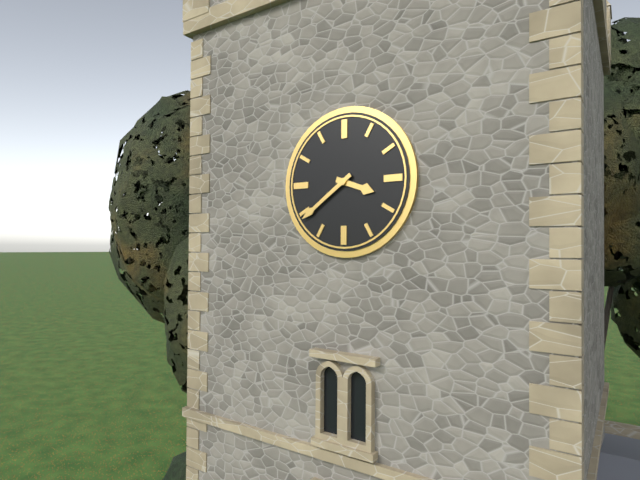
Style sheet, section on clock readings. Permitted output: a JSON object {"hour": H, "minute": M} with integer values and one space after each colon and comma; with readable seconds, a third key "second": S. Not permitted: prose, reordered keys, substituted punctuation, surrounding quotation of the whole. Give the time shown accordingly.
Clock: {"hour": 3, "minute": 39}
